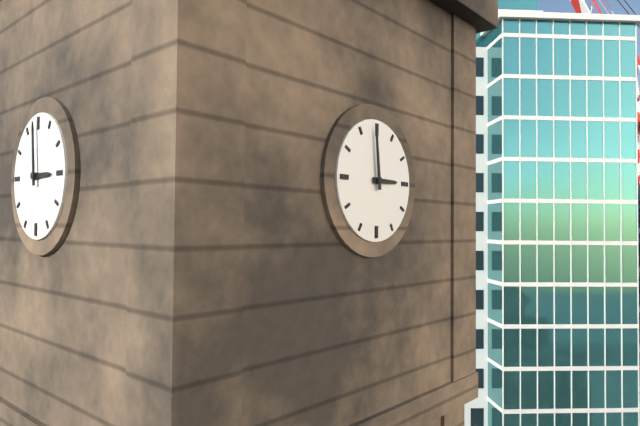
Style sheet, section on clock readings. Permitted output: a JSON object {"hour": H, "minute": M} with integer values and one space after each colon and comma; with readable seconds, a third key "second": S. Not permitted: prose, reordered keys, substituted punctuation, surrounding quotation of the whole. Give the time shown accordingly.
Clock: {"hour": 2, "minute": 59}
